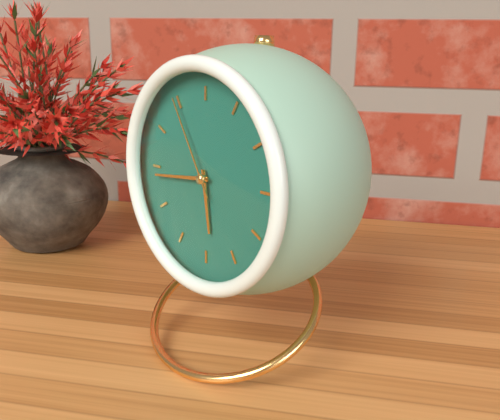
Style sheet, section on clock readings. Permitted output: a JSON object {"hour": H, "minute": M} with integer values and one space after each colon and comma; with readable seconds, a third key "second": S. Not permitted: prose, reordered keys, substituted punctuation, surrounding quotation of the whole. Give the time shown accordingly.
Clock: {"hour": 5, "minute": 44, "second": 55}
